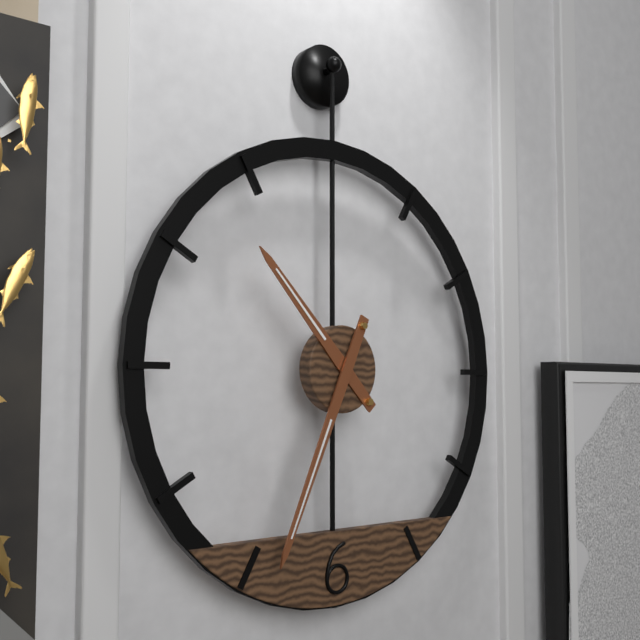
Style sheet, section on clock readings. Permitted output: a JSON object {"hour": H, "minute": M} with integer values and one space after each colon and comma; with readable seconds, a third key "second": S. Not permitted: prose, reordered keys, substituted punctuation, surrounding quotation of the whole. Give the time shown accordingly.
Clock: {"hour": 10, "minute": 34}
